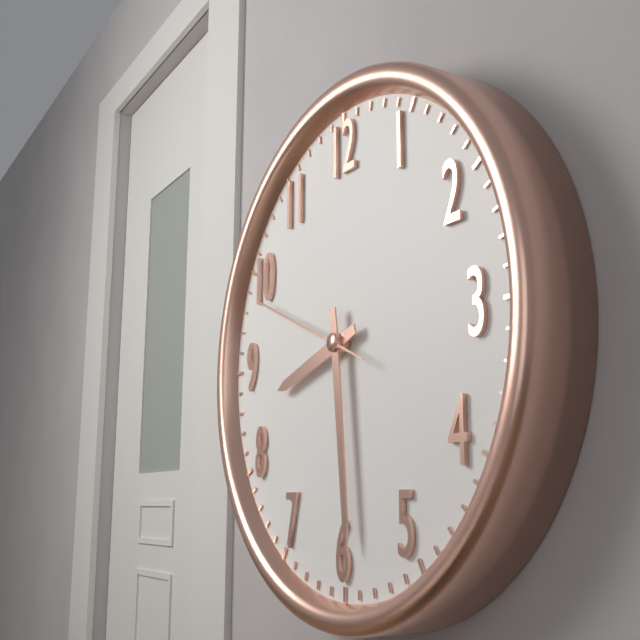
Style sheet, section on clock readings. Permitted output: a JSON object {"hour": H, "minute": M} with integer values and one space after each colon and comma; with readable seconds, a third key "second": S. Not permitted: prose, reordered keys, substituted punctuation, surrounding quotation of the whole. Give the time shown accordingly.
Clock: {"hour": 8, "minute": 29, "second": 49}
